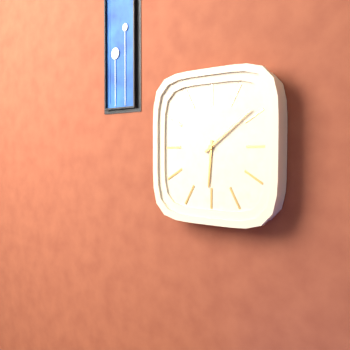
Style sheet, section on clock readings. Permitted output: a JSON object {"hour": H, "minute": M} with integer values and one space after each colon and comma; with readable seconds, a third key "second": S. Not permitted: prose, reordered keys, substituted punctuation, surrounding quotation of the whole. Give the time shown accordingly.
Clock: {"hour": 6, "minute": 9}
